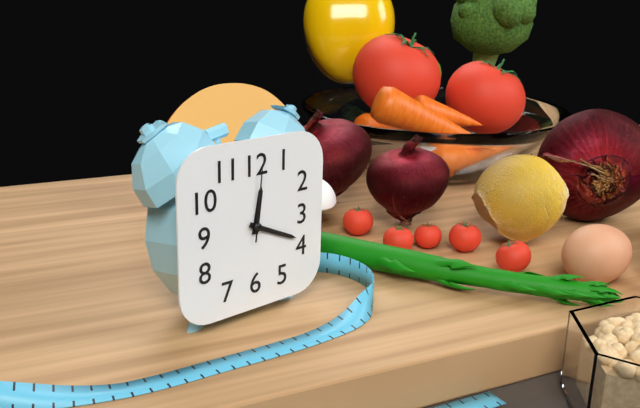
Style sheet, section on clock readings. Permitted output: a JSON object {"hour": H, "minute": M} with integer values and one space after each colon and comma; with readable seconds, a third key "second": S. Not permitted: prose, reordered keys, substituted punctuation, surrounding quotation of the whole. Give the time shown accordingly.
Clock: {"hour": 12, "minute": 19, "second": 1}
